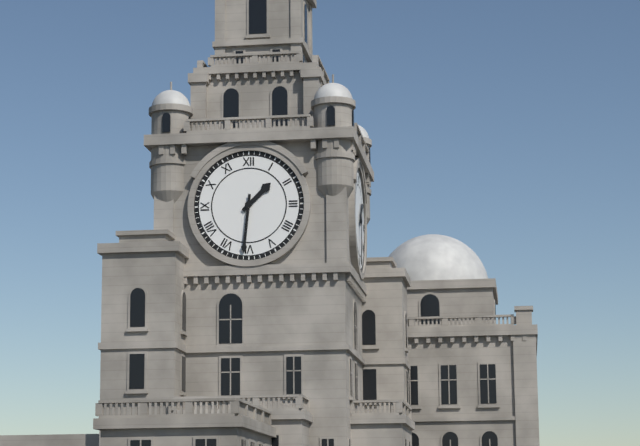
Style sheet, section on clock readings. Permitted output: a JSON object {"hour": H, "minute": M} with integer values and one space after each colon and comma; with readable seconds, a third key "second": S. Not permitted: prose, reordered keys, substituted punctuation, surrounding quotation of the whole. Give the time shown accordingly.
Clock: {"hour": 1, "minute": 31}
